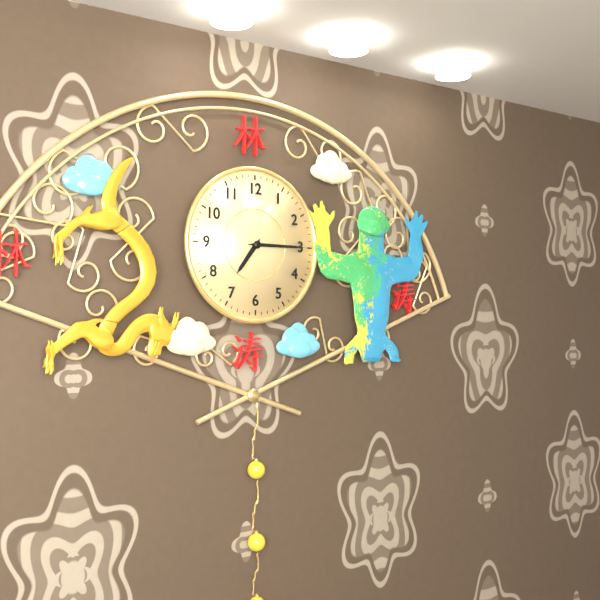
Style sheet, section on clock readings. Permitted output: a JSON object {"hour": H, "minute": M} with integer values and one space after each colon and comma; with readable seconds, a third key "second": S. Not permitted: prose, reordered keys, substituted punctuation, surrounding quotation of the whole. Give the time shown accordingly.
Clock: {"hour": 7, "minute": 15}
